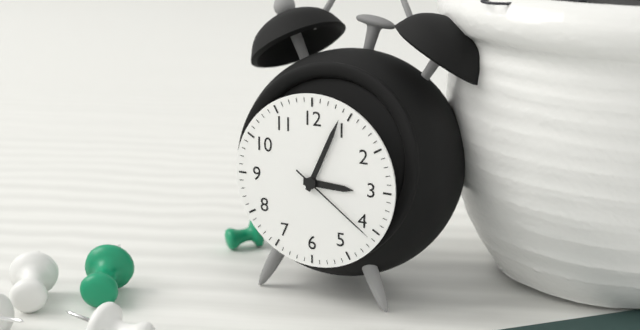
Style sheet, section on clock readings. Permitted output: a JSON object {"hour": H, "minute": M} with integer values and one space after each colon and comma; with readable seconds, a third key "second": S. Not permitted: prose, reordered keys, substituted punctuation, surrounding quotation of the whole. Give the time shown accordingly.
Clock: {"hour": 3, "minute": 4, "second": 21}
